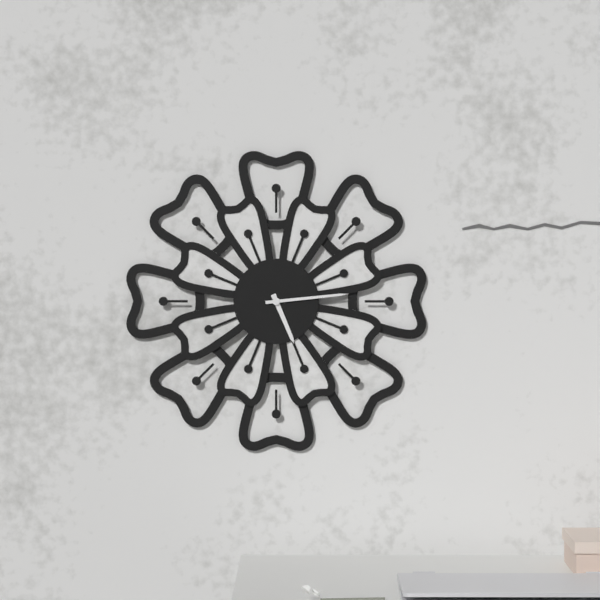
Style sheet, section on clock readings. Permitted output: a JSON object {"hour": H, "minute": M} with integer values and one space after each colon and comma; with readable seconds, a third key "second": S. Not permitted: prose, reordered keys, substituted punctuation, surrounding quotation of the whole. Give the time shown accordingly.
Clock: {"hour": 5, "minute": 14}
